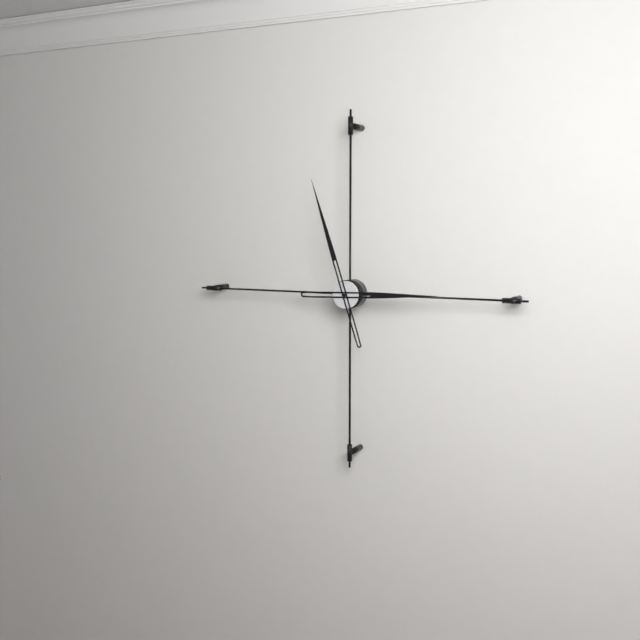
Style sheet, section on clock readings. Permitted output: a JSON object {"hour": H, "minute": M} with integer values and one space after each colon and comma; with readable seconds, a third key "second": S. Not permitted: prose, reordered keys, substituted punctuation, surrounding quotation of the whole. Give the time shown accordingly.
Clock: {"hour": 2, "minute": 57}
